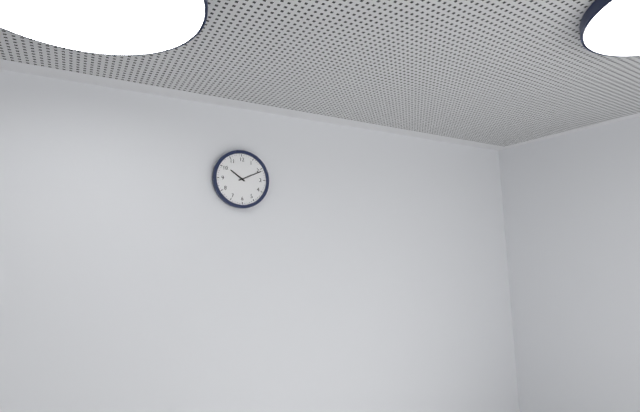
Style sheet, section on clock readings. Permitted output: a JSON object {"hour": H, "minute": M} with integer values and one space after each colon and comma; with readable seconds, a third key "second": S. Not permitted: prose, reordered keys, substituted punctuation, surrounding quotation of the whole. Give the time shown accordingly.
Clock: {"hour": 10, "minute": 11}
